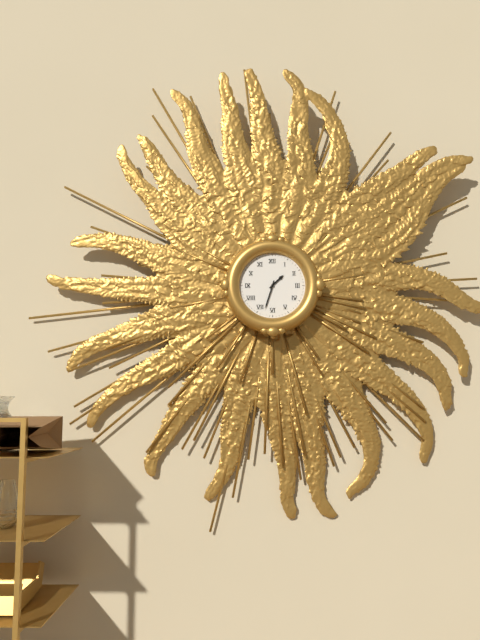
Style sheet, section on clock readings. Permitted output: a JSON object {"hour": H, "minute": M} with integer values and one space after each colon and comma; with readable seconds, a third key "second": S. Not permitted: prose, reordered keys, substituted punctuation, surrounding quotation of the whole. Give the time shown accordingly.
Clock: {"hour": 1, "minute": 33}
